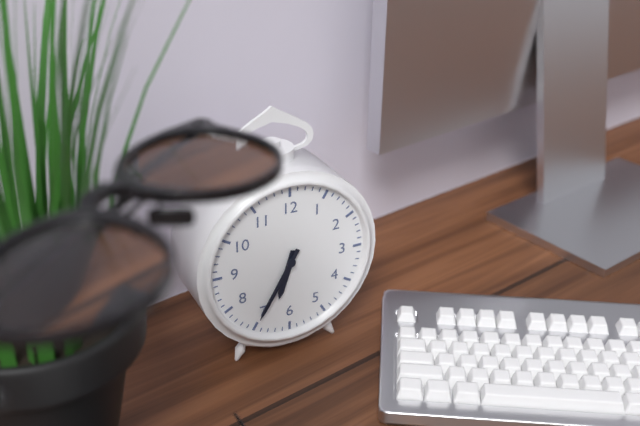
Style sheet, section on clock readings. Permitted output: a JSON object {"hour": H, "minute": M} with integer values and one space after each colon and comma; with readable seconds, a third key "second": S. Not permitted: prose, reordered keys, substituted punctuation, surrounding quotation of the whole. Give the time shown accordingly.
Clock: {"hour": 6, "minute": 35}
